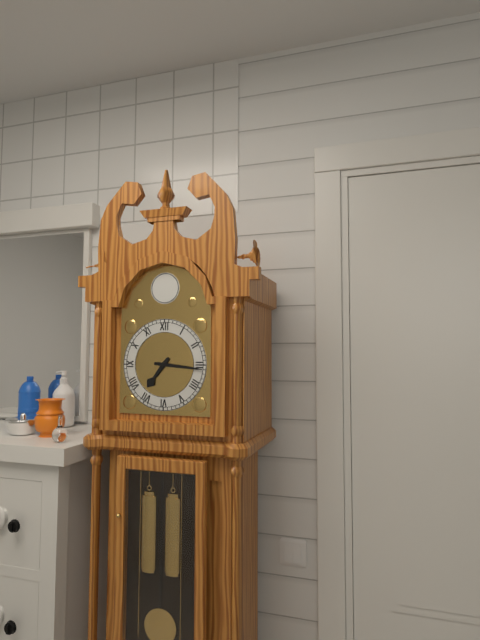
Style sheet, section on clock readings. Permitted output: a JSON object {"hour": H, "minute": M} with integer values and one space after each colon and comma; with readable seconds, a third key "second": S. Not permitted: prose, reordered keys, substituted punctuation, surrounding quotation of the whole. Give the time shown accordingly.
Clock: {"hour": 7, "minute": 16}
